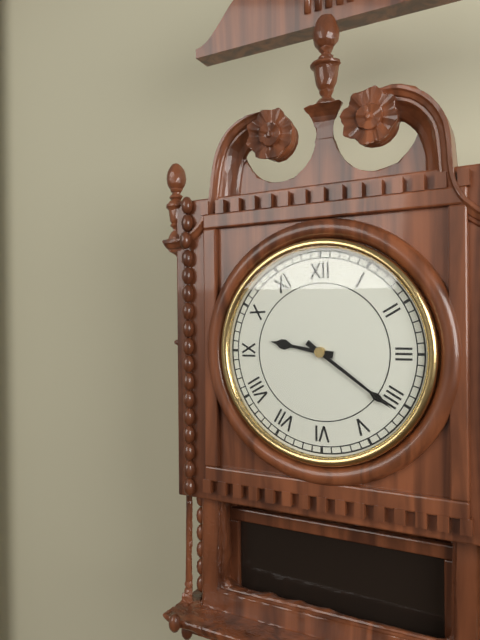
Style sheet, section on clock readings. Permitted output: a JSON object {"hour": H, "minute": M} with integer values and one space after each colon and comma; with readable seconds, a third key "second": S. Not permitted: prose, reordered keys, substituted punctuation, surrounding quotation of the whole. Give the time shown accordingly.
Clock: {"hour": 9, "minute": 21}
